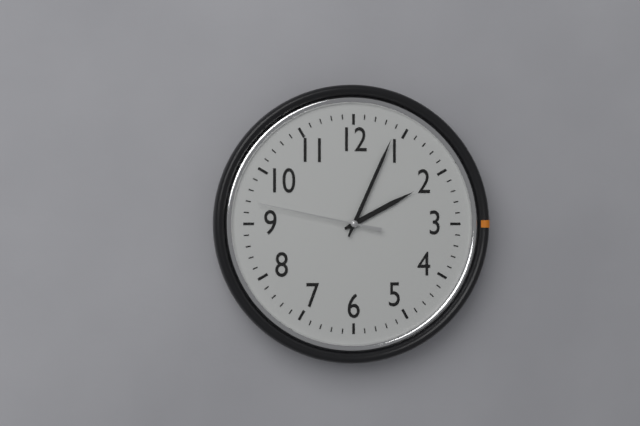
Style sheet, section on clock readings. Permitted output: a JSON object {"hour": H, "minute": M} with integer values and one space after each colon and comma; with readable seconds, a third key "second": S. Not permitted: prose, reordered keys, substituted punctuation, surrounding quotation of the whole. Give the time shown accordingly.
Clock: {"hour": 2, "minute": 4, "second": 47}
